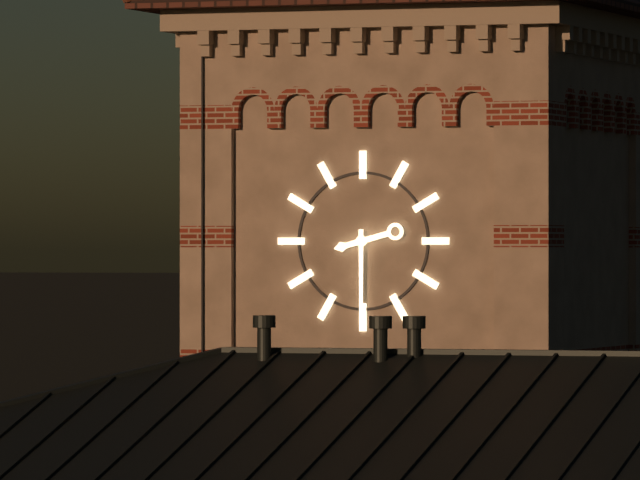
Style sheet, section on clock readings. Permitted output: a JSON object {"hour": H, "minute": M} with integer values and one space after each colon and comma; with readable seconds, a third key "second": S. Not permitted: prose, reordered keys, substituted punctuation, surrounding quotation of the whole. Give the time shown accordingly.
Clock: {"hour": 8, "minute": 30}
